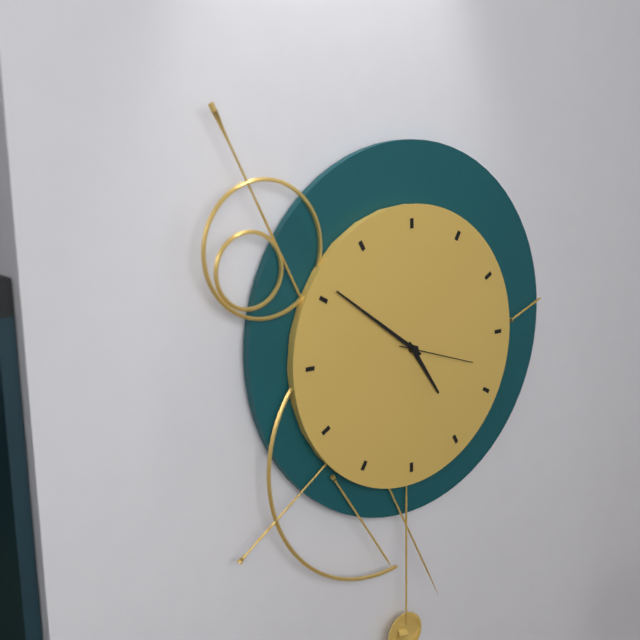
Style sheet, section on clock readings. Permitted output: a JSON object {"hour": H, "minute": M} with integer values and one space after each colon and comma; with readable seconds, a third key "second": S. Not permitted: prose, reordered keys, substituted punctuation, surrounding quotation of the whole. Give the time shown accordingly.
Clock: {"hour": 4, "minute": 51, "second": 18}
